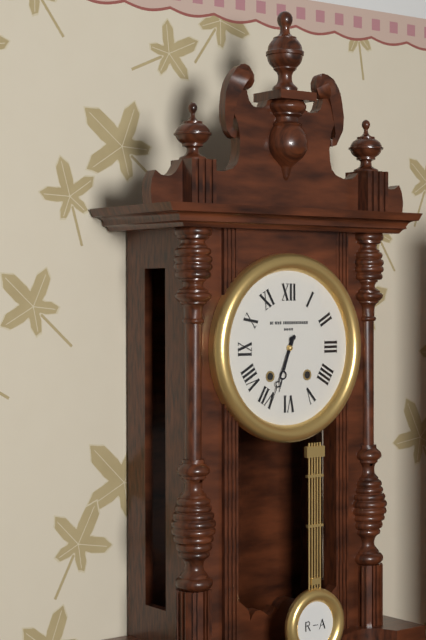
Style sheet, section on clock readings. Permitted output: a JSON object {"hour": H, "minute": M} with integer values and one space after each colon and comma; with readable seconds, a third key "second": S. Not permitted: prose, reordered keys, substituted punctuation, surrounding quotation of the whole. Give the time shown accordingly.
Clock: {"hour": 6, "minute": 34}
